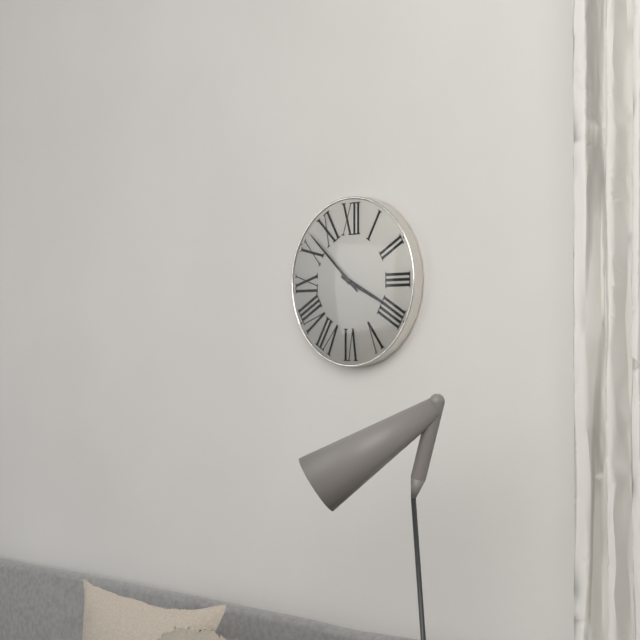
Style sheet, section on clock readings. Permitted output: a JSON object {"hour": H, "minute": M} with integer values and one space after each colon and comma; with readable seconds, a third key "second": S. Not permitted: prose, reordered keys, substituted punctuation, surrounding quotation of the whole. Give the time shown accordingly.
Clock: {"hour": 3, "minute": 52}
